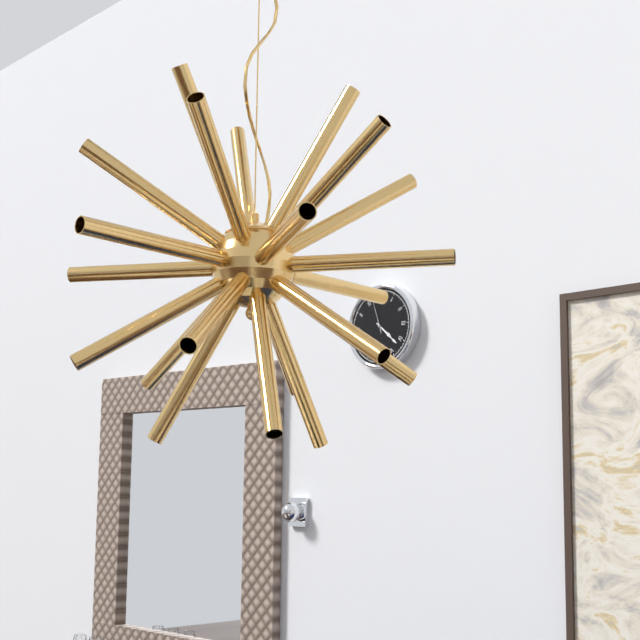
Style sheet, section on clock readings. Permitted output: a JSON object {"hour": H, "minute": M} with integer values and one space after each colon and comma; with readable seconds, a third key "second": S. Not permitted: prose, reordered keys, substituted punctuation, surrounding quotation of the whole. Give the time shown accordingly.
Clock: {"hour": 4, "minute": 22}
